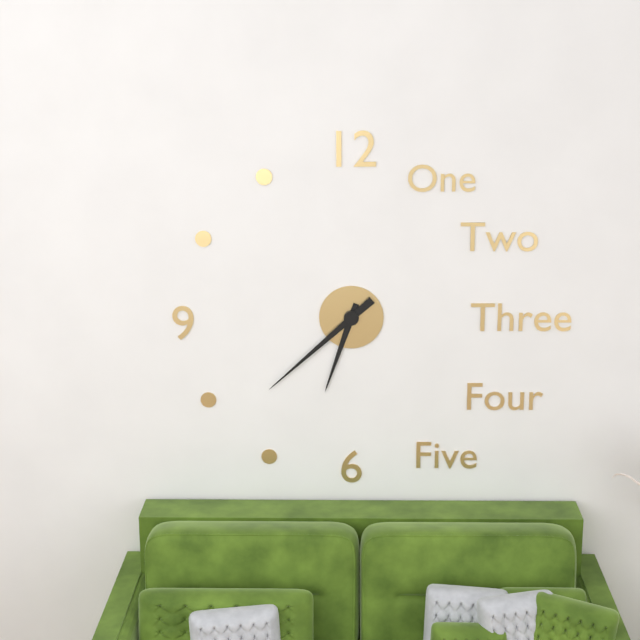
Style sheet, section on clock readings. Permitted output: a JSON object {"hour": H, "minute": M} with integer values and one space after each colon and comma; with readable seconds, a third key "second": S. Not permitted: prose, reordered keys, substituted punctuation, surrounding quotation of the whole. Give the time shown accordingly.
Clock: {"hour": 6, "minute": 38}
